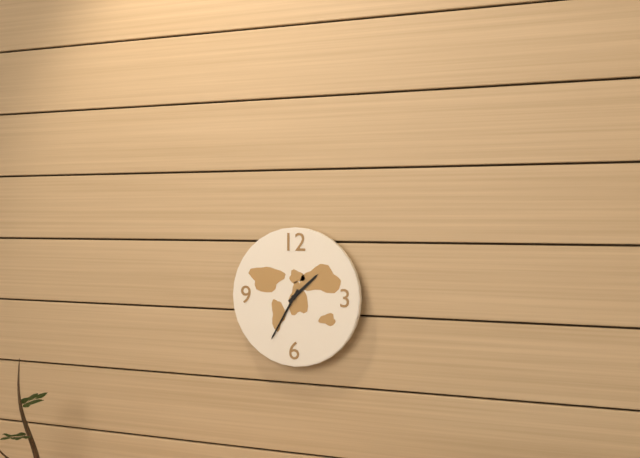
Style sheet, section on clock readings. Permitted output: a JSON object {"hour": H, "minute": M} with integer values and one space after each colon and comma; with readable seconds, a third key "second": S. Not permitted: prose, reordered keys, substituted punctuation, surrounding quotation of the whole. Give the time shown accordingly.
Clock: {"hour": 1, "minute": 35}
